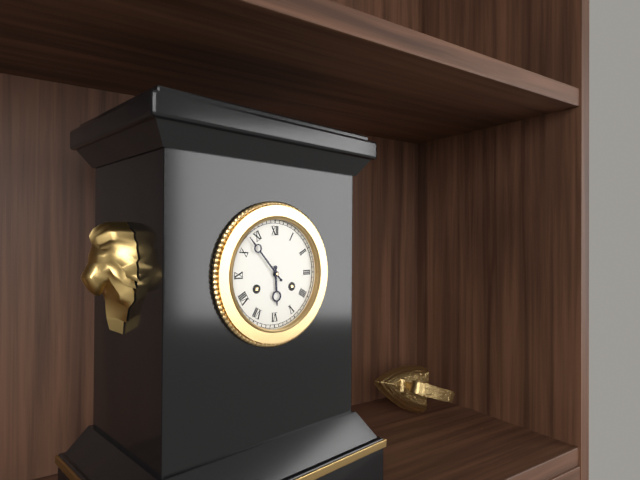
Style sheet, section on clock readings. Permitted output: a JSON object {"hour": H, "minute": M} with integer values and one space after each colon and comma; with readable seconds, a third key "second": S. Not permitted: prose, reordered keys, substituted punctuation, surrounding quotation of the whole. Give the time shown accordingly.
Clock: {"hour": 5, "minute": 53}
